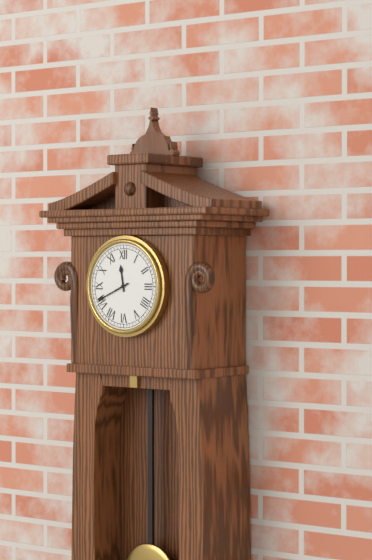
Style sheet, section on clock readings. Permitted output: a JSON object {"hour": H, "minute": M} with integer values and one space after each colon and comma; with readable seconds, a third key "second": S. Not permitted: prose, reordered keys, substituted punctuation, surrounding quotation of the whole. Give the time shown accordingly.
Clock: {"hour": 11, "minute": 41}
